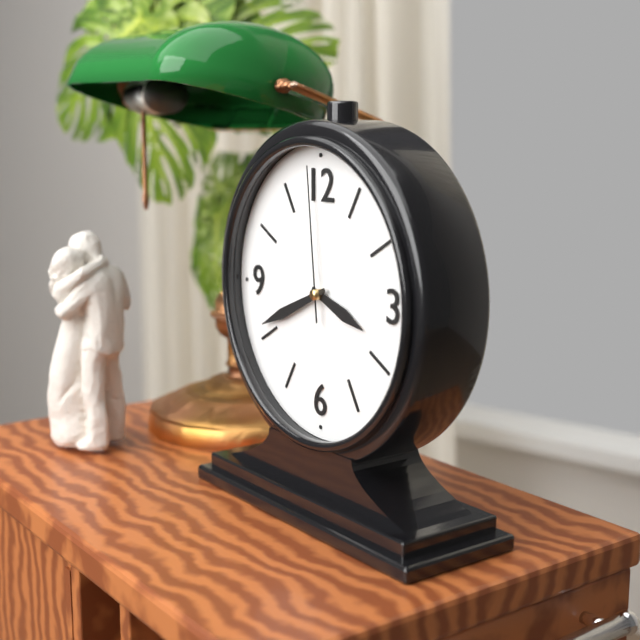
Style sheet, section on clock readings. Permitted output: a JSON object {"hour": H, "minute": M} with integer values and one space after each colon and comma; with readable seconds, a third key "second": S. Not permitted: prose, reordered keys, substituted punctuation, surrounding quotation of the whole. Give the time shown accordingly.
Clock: {"hour": 3, "minute": 41, "second": 59}
